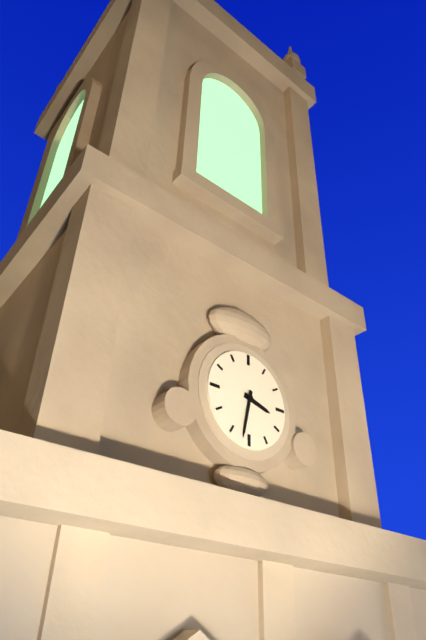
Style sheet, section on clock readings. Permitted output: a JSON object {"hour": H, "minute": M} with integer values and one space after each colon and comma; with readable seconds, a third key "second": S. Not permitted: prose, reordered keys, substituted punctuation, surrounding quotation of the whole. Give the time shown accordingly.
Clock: {"hour": 3, "minute": 32}
